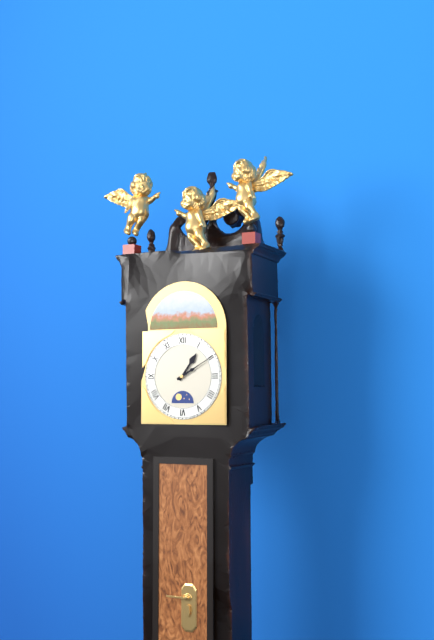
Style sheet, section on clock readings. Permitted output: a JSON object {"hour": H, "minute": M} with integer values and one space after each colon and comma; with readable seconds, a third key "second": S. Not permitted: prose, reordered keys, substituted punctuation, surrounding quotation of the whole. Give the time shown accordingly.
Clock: {"hour": 1, "minute": 10}
